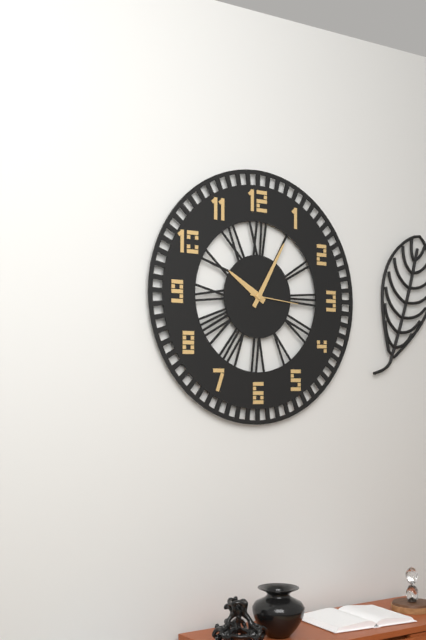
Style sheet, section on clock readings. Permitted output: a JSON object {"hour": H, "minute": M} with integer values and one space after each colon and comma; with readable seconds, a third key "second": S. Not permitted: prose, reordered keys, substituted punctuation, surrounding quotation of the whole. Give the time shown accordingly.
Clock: {"hour": 10, "minute": 5, "second": 16}
